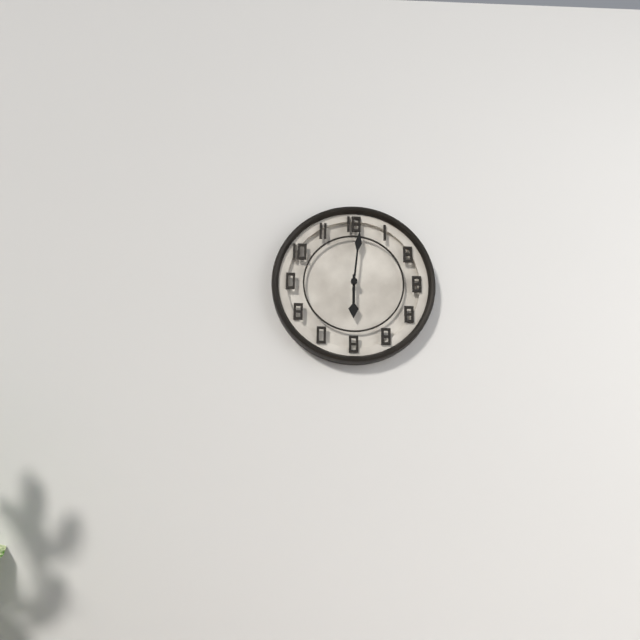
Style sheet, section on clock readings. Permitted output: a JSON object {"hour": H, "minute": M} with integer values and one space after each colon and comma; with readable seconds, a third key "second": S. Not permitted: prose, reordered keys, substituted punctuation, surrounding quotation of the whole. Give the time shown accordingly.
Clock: {"hour": 6, "minute": 1}
